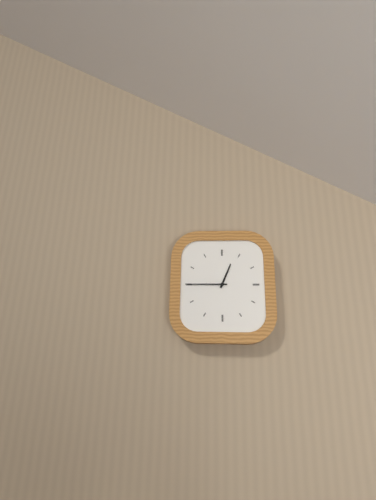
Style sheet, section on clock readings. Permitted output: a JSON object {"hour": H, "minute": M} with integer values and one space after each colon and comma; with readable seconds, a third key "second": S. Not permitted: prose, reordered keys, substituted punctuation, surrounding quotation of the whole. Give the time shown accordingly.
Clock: {"hour": 12, "minute": 45}
